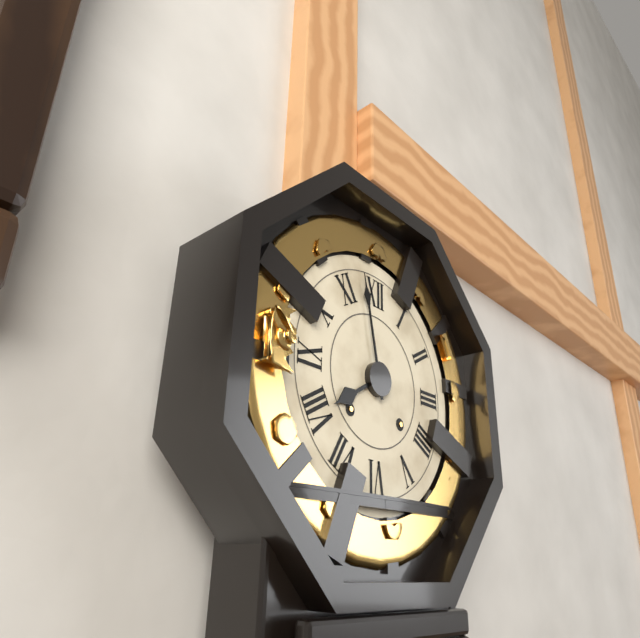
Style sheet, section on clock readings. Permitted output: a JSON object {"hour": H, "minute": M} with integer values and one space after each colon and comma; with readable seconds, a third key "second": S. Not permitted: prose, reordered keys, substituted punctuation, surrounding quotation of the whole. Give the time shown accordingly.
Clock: {"hour": 7, "minute": 58}
